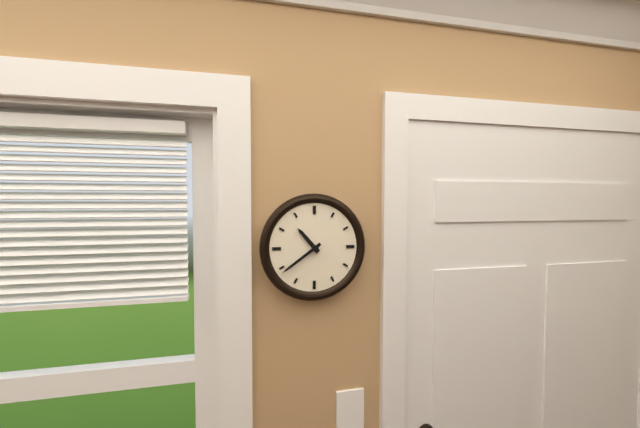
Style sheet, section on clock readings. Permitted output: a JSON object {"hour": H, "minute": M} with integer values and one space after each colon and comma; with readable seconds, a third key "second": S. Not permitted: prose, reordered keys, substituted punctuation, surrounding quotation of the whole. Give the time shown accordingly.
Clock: {"hour": 10, "minute": 39}
